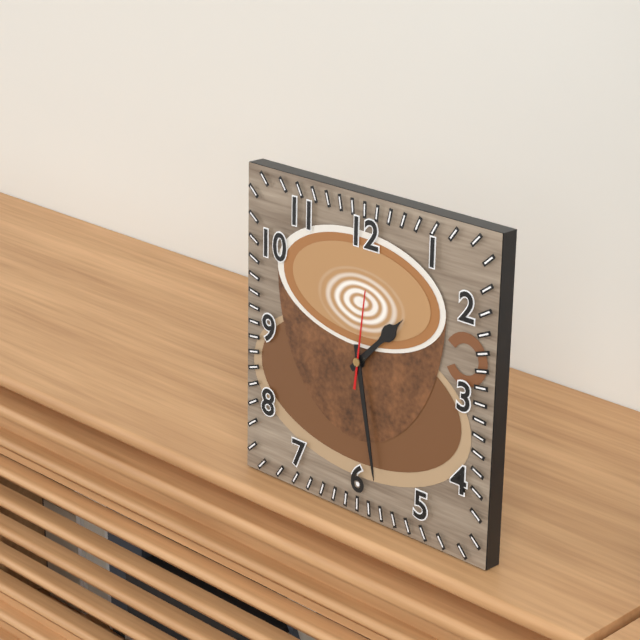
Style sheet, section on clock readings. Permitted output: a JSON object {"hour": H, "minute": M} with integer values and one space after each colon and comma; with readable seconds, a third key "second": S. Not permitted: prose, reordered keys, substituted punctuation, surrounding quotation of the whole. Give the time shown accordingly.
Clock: {"hour": 1, "minute": 28, "second": 1}
